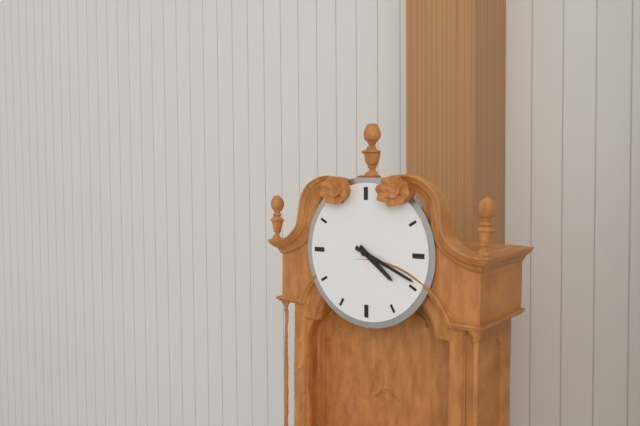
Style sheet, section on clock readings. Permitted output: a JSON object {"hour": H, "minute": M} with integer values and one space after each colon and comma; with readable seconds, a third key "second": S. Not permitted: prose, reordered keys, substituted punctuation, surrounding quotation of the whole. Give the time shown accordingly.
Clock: {"hour": 4, "minute": 19}
